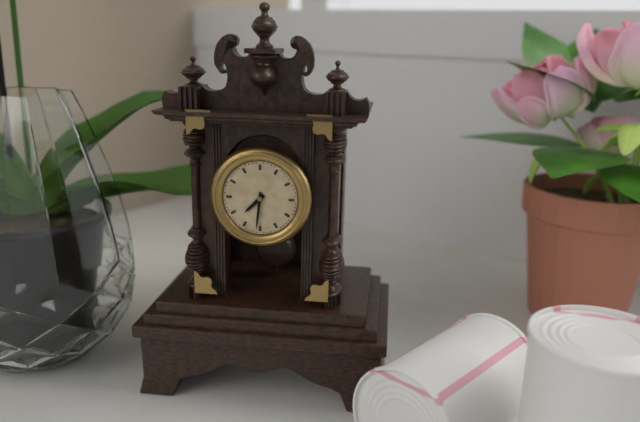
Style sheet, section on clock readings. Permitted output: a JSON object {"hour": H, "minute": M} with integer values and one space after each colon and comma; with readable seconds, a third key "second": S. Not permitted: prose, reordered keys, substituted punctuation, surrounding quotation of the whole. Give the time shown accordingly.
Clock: {"hour": 7, "minute": 31}
